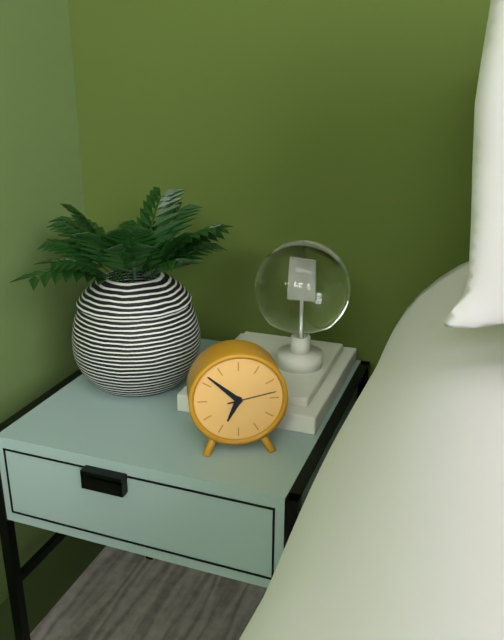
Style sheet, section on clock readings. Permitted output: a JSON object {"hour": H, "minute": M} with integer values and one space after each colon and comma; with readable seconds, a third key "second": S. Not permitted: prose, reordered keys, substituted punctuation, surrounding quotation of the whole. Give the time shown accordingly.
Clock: {"hour": 6, "minute": 52}
